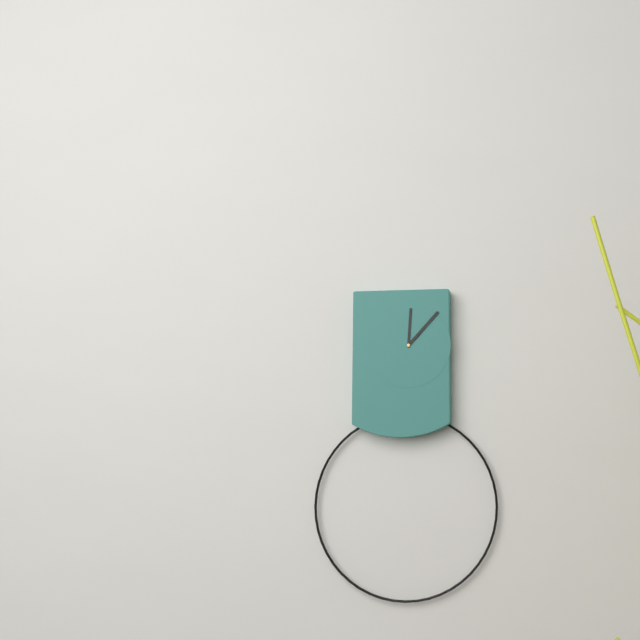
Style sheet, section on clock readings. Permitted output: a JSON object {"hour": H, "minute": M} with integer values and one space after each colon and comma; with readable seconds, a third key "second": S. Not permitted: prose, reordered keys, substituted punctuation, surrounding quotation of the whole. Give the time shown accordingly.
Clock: {"hour": 12, "minute": 7}
